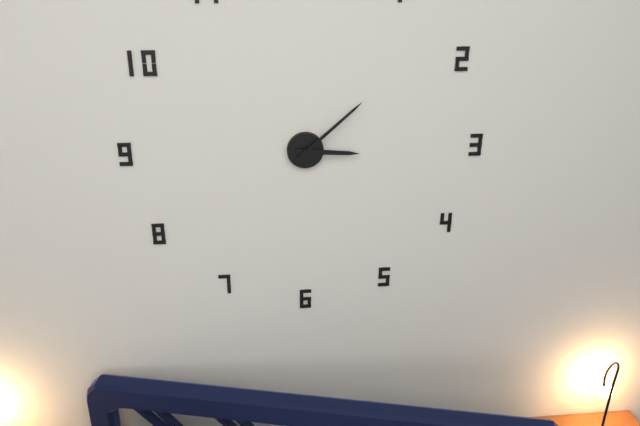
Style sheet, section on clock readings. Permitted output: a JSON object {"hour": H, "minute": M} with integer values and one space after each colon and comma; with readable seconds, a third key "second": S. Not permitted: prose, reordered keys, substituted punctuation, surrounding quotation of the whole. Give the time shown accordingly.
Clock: {"hour": 3, "minute": 8}
